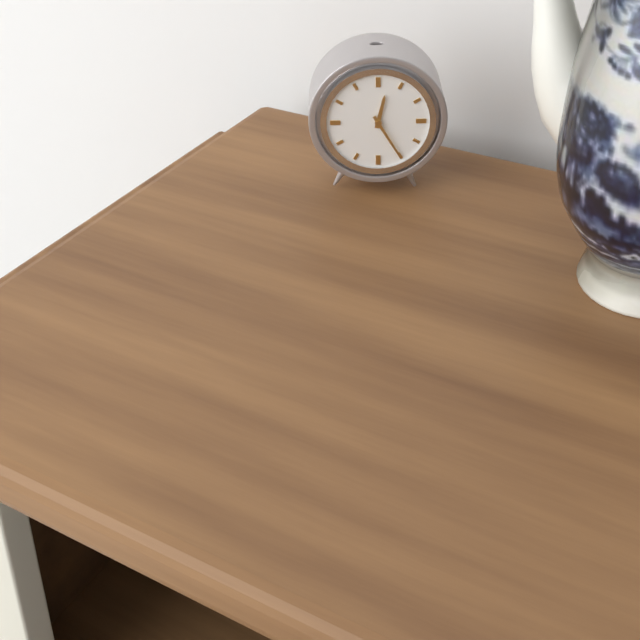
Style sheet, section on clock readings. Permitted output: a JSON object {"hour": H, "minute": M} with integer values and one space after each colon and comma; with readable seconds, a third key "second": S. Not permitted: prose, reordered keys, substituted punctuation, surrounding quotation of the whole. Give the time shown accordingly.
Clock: {"hour": 12, "minute": 25}
